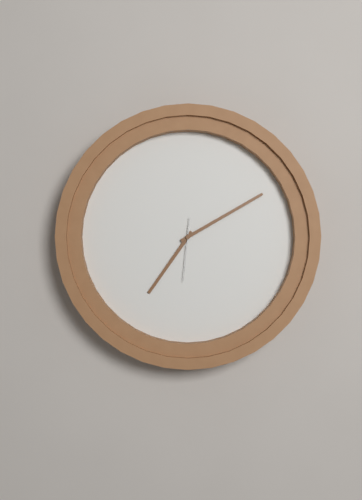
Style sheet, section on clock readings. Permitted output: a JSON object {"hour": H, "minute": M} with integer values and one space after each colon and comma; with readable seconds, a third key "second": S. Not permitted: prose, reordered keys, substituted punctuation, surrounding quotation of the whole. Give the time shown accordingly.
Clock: {"hour": 7, "minute": 10, "second": 31}
